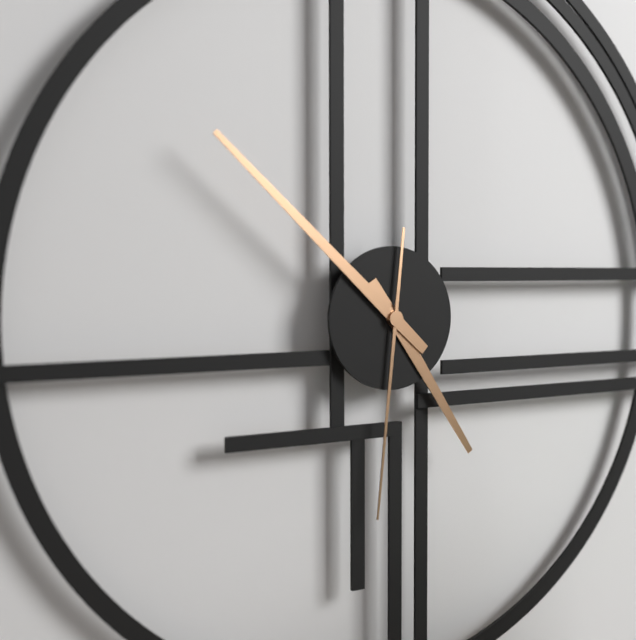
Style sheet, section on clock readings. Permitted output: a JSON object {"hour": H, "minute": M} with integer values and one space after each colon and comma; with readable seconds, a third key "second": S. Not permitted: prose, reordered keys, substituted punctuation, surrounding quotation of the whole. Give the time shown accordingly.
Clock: {"hour": 4, "minute": 52, "second": 31}
